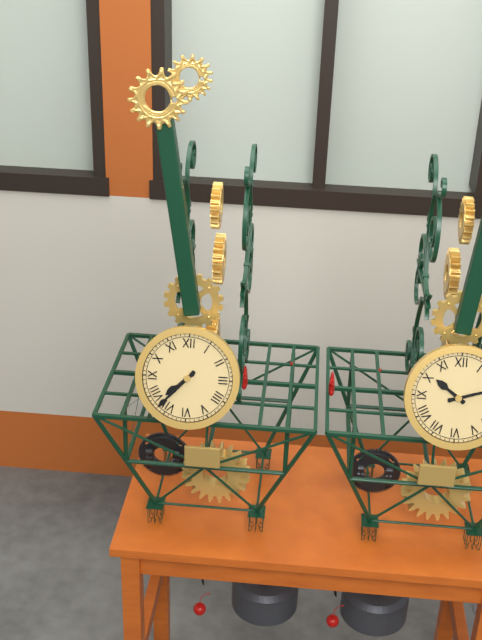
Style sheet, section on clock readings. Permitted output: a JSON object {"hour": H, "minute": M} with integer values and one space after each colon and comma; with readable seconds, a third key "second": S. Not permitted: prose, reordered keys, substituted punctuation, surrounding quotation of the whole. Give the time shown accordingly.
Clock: {"hour": 7, "minute": 37}
